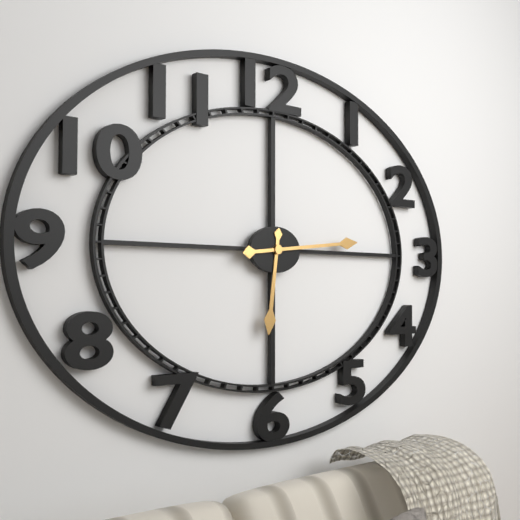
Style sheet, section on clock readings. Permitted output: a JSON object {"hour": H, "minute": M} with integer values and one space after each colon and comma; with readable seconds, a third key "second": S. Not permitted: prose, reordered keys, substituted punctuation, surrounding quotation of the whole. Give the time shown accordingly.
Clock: {"hour": 6, "minute": 14}
